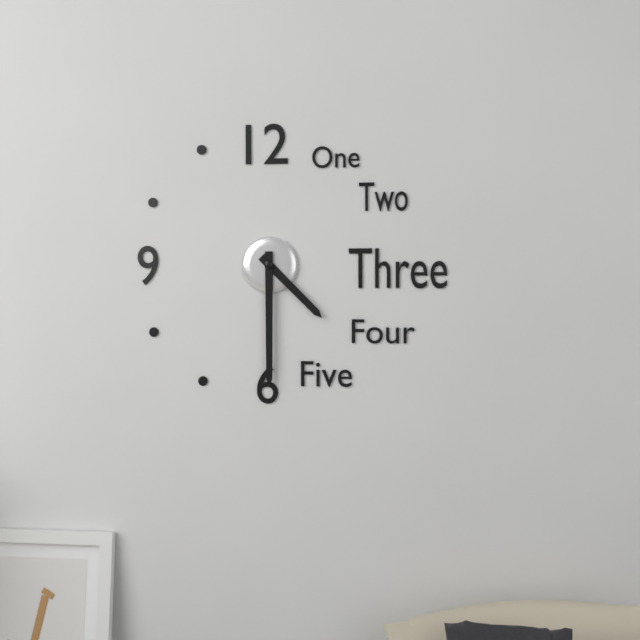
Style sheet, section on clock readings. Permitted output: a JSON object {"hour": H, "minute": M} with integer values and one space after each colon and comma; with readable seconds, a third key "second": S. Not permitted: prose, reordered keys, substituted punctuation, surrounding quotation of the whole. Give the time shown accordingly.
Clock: {"hour": 4, "minute": 30}
